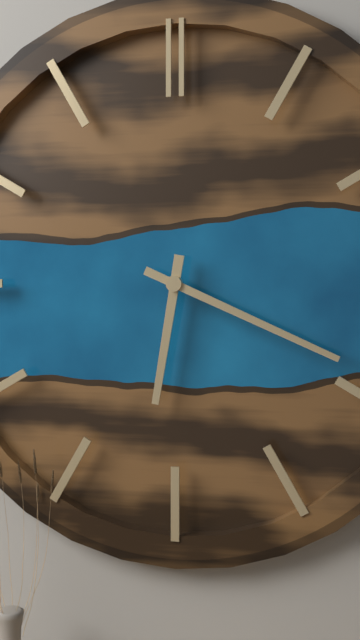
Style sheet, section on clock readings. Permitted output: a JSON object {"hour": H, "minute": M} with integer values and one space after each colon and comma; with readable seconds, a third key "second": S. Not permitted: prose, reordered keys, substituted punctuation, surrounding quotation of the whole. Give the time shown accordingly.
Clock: {"hour": 6, "minute": 19}
